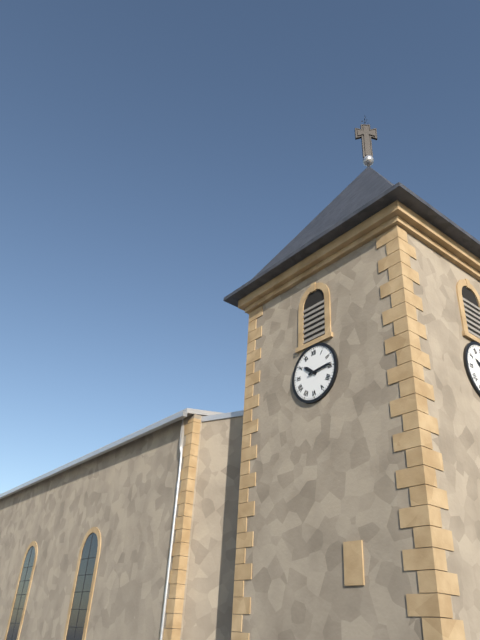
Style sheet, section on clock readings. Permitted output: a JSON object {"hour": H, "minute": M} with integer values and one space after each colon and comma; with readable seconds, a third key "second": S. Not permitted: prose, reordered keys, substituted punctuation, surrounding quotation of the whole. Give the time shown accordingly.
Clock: {"hour": 10, "minute": 14}
